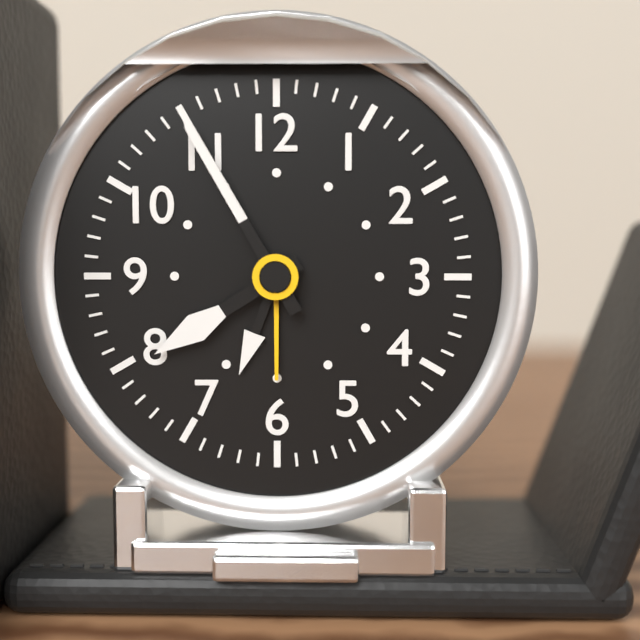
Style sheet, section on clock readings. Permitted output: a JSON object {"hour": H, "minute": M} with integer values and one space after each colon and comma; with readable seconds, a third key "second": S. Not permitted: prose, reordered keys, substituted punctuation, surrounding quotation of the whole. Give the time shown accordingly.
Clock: {"hour": 7, "minute": 55}
